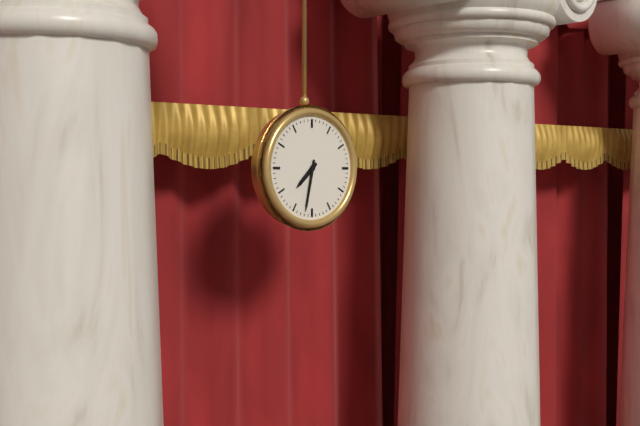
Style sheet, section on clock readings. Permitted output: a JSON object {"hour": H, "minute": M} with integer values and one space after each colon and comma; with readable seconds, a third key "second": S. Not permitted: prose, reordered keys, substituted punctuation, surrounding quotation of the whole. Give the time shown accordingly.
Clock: {"hour": 7, "minute": 32}
